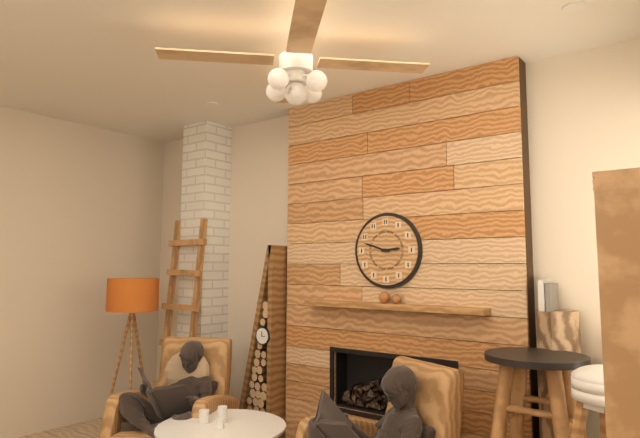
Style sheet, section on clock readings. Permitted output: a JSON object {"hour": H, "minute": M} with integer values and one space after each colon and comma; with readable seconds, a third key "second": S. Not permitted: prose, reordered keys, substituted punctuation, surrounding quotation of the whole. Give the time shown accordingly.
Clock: {"hour": 2, "minute": 48}
